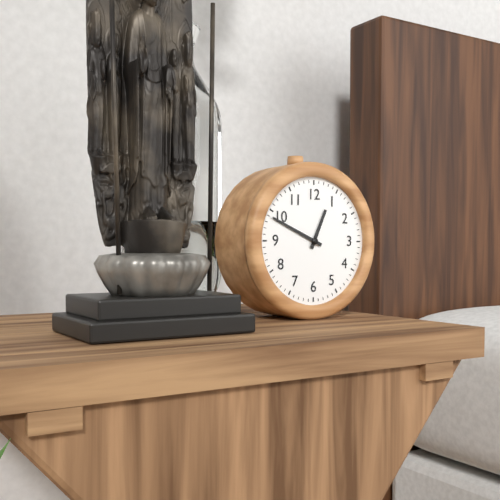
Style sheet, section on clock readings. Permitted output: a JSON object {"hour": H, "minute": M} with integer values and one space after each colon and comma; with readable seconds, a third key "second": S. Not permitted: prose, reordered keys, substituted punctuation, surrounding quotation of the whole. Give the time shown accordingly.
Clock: {"hour": 12, "minute": 49}
